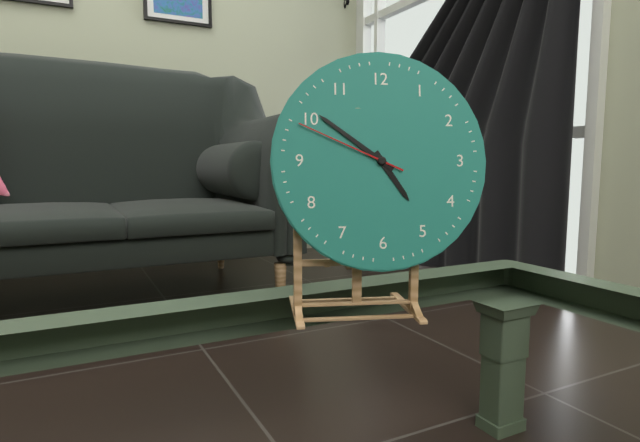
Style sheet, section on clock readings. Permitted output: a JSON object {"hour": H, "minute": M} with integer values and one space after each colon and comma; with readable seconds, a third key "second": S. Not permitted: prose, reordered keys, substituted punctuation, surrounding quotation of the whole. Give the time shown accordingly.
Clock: {"hour": 4, "minute": 51, "second": 49}
